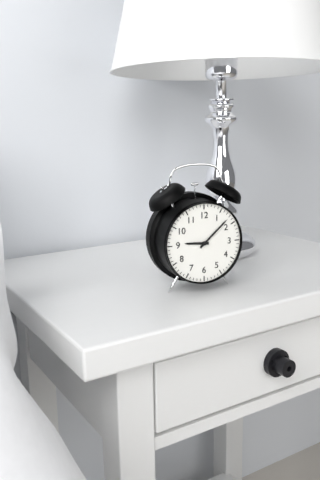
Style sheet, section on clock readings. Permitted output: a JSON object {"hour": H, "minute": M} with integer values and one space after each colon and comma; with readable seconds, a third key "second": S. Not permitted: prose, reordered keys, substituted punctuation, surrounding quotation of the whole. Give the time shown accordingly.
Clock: {"hour": 9, "minute": 8}
